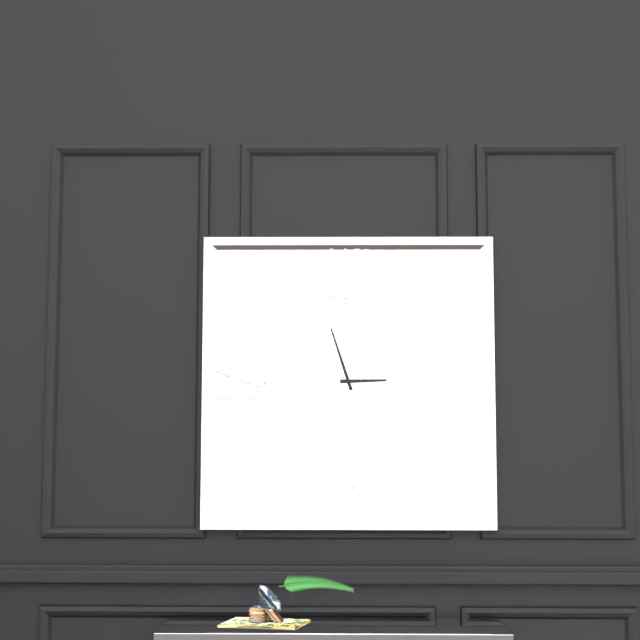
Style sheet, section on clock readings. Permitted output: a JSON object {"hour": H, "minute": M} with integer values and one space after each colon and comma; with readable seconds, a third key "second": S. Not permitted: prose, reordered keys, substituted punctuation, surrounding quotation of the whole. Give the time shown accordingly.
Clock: {"hour": 2, "minute": 57}
